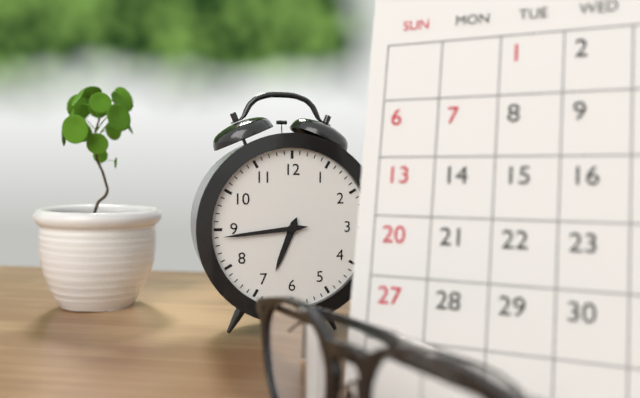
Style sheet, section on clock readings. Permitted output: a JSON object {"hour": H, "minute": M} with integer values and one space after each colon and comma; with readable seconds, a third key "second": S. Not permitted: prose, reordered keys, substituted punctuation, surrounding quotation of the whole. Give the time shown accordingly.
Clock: {"hour": 6, "minute": 44}
